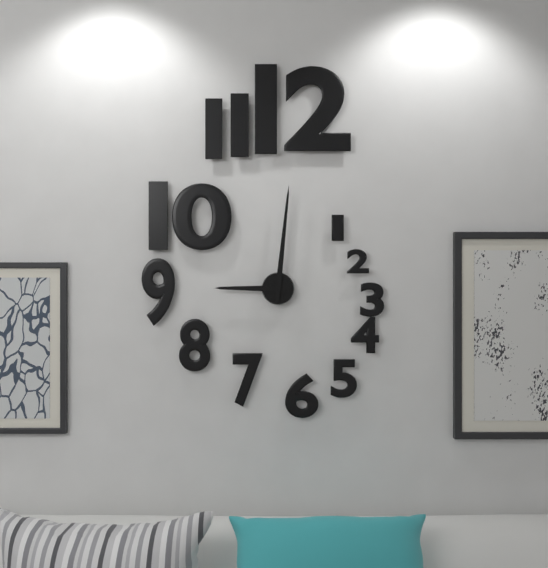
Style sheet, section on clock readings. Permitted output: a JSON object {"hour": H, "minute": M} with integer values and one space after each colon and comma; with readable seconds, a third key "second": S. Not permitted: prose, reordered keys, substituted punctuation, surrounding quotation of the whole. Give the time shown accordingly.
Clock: {"hour": 9, "minute": 1}
